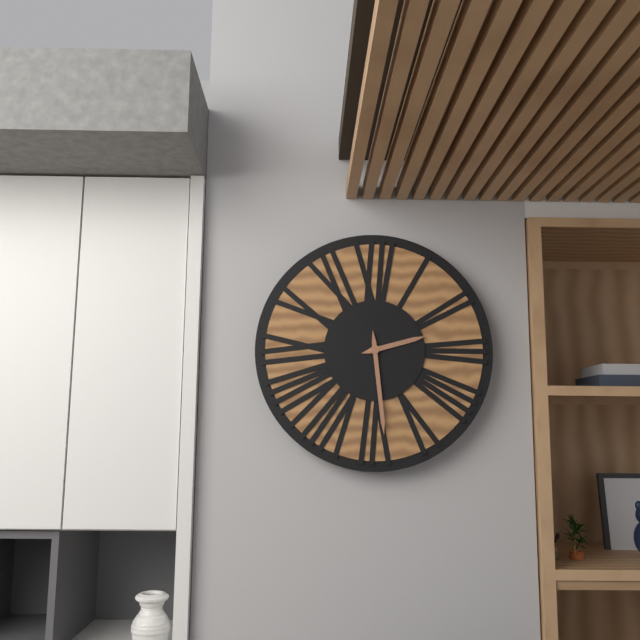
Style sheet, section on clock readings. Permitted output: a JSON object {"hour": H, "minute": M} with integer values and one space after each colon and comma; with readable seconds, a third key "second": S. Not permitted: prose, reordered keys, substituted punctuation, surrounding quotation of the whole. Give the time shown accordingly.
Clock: {"hour": 2, "minute": 29}
